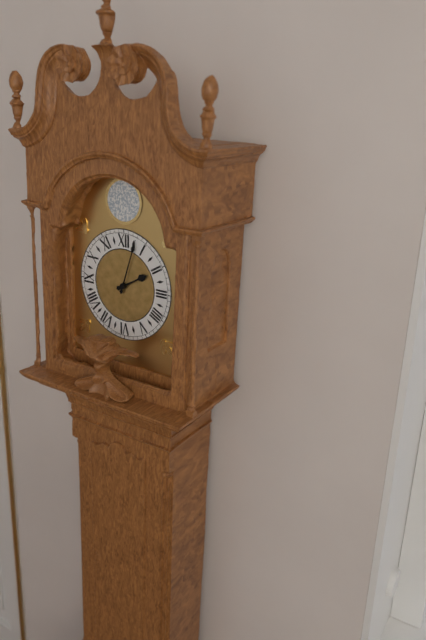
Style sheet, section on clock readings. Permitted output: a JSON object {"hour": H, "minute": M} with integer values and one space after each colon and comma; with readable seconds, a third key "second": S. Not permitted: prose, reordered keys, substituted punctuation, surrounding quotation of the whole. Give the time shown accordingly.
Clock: {"hour": 2, "minute": 3}
